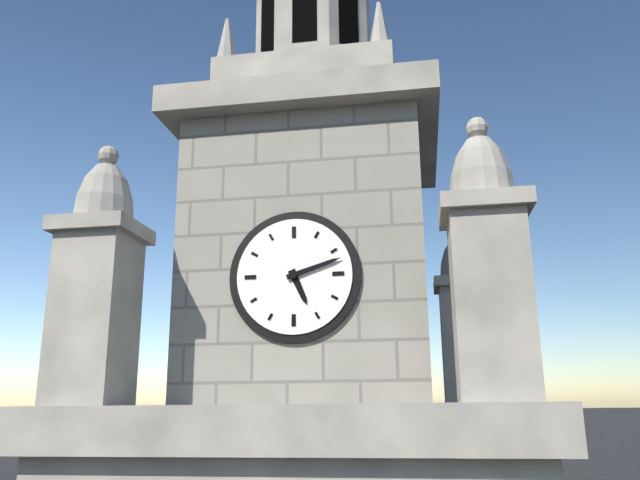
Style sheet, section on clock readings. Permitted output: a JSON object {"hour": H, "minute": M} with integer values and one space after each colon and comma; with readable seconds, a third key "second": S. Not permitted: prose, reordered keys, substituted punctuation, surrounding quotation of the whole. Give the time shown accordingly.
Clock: {"hour": 5, "minute": 12}
